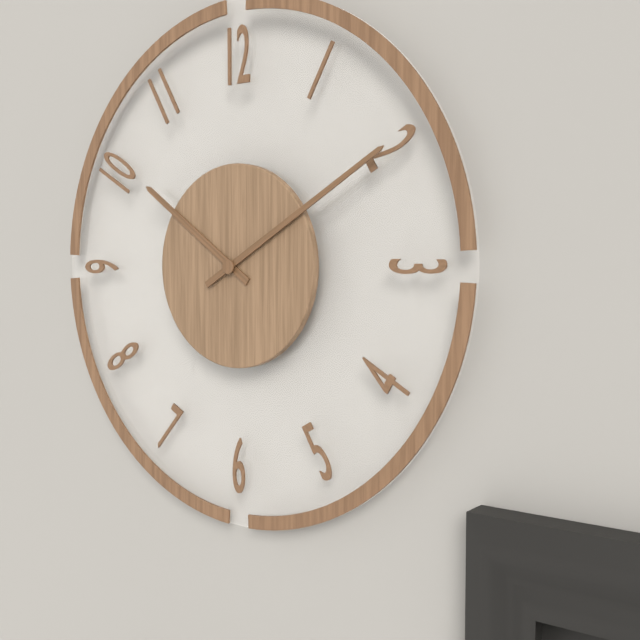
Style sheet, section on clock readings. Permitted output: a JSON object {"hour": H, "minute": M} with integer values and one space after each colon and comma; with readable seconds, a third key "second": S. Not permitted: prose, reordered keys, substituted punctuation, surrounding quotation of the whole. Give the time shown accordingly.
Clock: {"hour": 10, "minute": 10}
